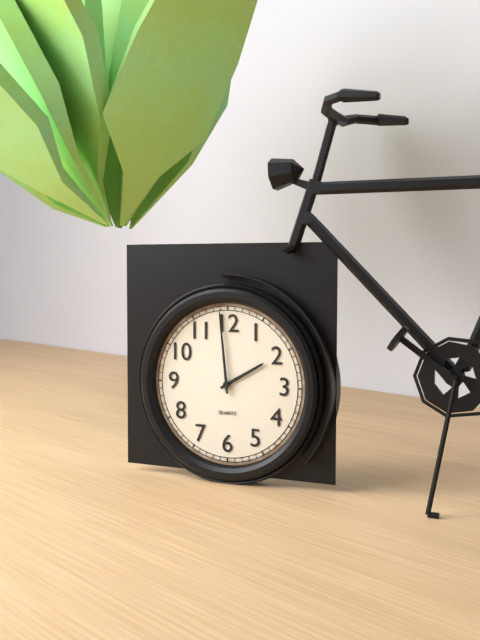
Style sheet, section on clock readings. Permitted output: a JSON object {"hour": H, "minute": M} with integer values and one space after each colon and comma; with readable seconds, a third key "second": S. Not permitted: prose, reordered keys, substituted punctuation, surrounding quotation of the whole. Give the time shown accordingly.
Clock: {"hour": 1, "minute": 59}
